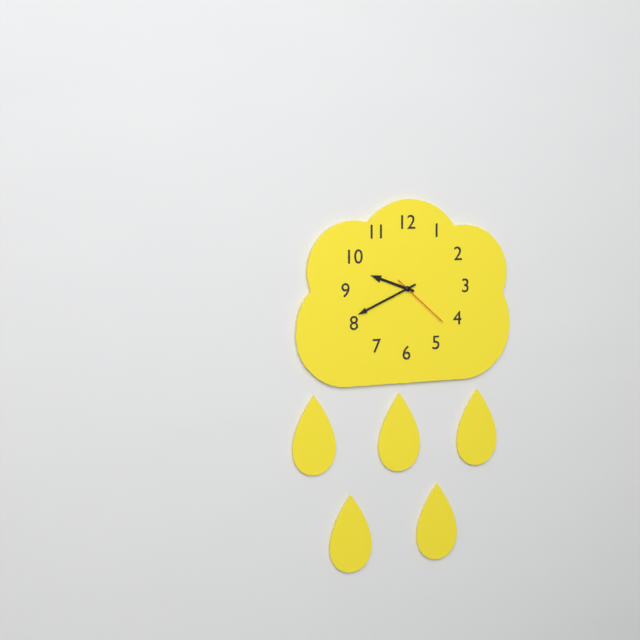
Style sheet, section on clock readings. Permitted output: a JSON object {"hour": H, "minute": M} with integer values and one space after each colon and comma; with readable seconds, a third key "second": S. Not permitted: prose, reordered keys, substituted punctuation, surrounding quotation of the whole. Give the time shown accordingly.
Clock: {"hour": 9, "minute": 41, "second": 22}
